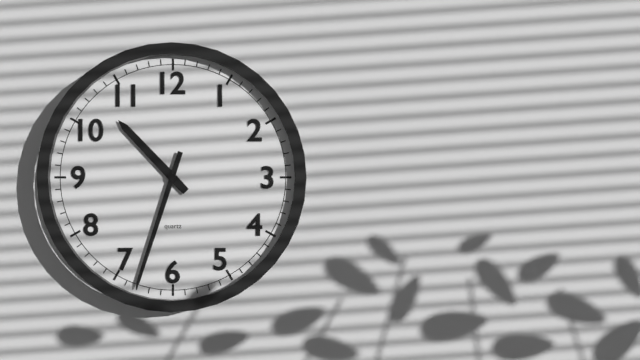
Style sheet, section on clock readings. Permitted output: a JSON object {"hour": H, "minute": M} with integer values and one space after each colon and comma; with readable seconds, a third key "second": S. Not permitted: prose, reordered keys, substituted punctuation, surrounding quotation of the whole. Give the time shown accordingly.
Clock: {"hour": 10, "minute": 33}
